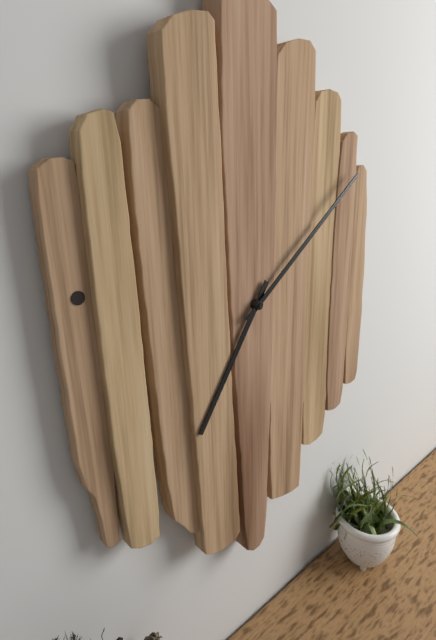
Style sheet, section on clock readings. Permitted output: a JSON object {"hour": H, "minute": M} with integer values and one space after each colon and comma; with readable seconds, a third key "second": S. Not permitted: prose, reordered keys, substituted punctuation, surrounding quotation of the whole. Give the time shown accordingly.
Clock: {"hour": 7, "minute": 9}
